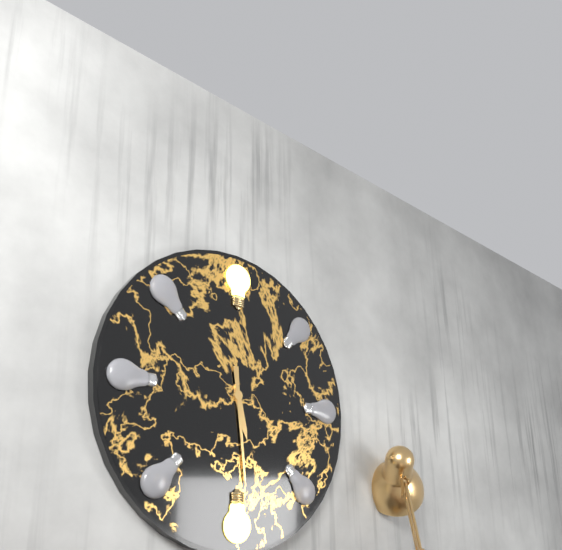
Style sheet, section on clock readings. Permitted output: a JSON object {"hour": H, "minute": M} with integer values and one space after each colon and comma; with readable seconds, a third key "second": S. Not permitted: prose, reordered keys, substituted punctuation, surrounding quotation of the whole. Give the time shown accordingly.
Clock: {"hour": 5, "minute": 29}
